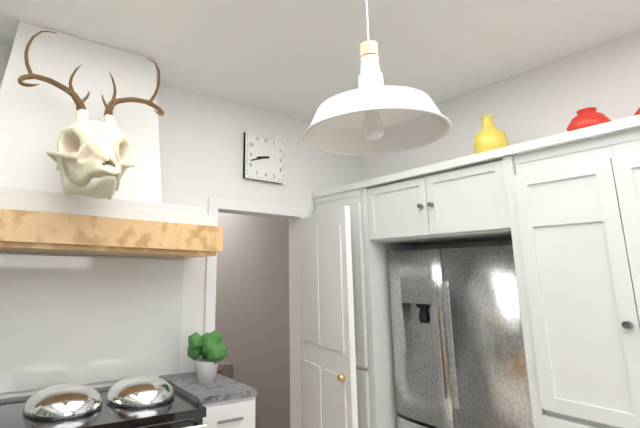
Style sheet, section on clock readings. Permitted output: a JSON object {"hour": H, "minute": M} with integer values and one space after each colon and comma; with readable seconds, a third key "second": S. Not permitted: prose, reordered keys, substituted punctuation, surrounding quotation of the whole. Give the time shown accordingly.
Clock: {"hour": 8, "minute": 42}
